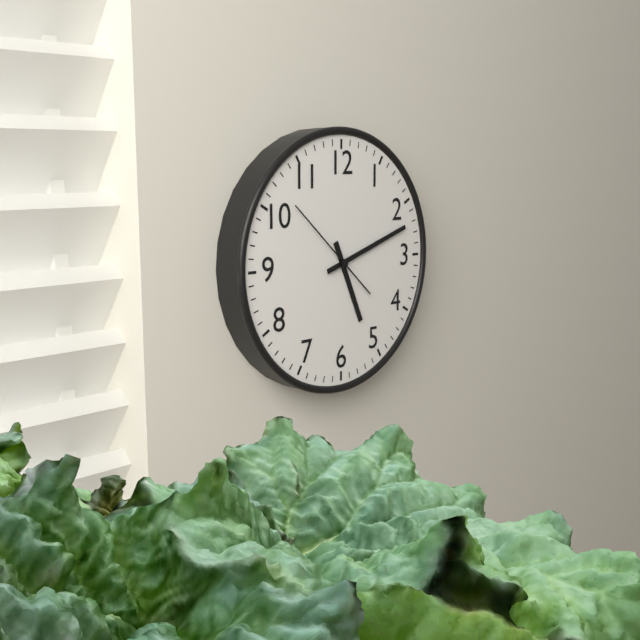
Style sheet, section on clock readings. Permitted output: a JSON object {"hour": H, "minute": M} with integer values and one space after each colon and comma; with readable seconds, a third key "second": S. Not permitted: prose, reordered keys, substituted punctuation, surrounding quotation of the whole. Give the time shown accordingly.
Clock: {"hour": 5, "minute": 12, "second": 52}
